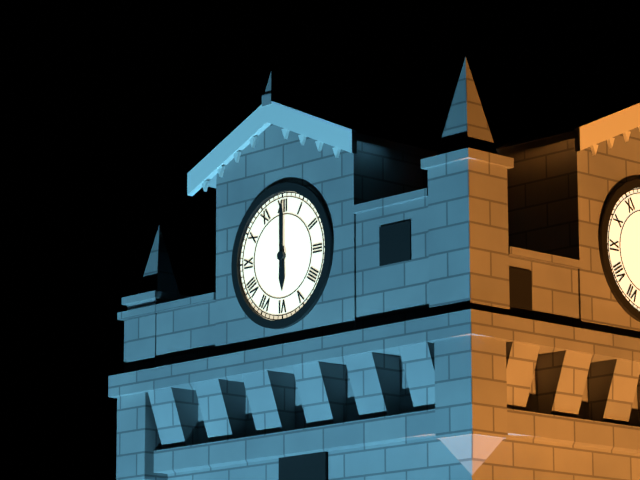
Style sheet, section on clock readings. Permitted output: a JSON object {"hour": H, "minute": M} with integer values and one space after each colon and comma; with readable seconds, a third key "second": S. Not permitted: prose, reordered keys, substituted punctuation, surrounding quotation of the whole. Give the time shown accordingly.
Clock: {"hour": 6, "minute": 0}
